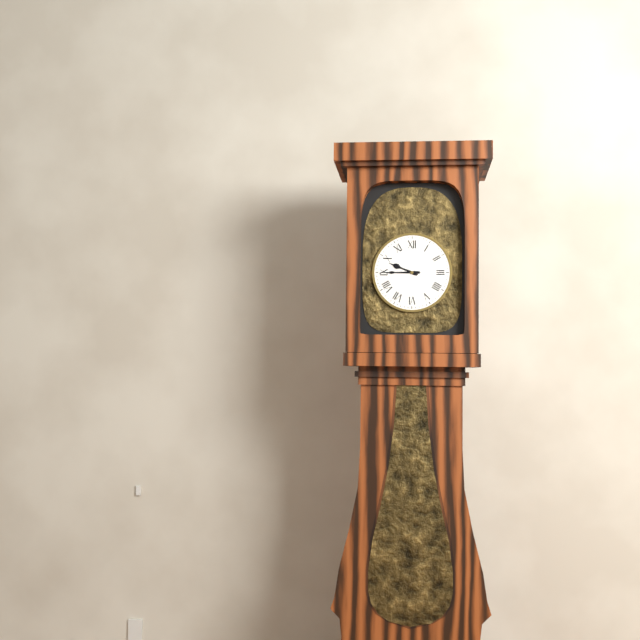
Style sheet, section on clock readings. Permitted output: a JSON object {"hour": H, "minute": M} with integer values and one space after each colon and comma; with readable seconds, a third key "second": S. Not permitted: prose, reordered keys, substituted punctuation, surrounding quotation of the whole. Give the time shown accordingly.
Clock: {"hour": 9, "minute": 45}
